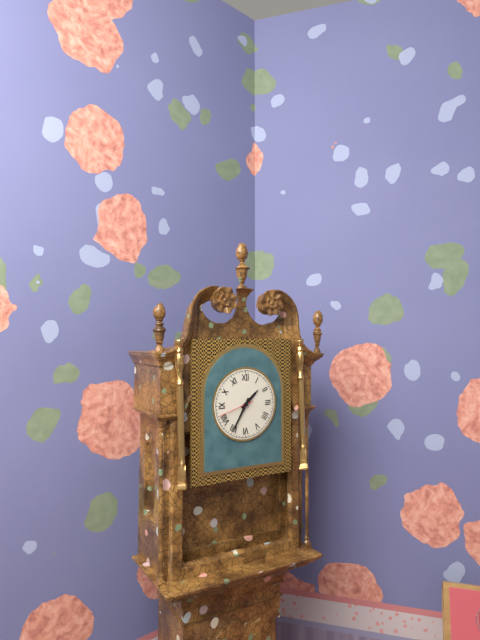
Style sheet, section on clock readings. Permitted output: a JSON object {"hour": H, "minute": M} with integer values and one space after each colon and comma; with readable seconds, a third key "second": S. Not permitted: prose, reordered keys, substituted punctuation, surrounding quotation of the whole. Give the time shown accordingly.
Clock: {"hour": 1, "minute": 35}
